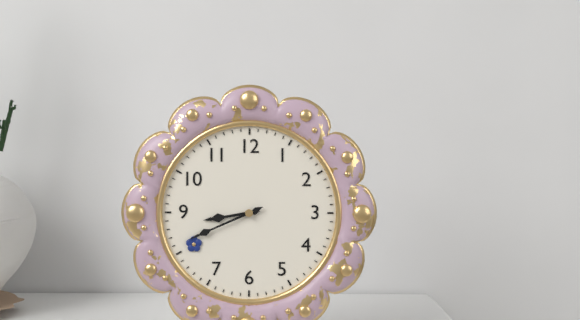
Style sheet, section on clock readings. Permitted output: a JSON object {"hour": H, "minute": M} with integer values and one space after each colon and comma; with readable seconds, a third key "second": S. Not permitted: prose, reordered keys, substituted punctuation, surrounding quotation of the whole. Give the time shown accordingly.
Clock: {"hour": 8, "minute": 41}
